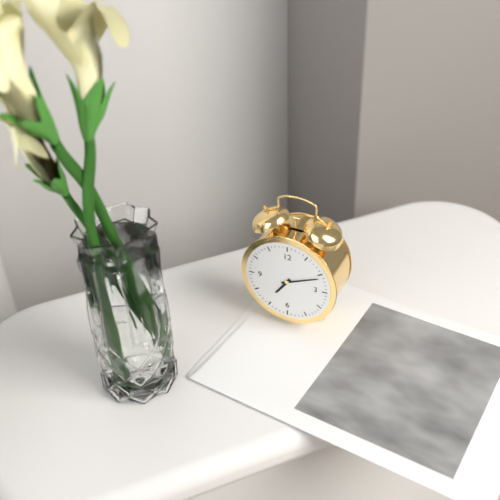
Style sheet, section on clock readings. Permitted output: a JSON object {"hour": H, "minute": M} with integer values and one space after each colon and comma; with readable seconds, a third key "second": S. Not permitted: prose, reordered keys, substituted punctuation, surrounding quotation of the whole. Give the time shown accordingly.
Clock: {"hour": 7, "minute": 11}
